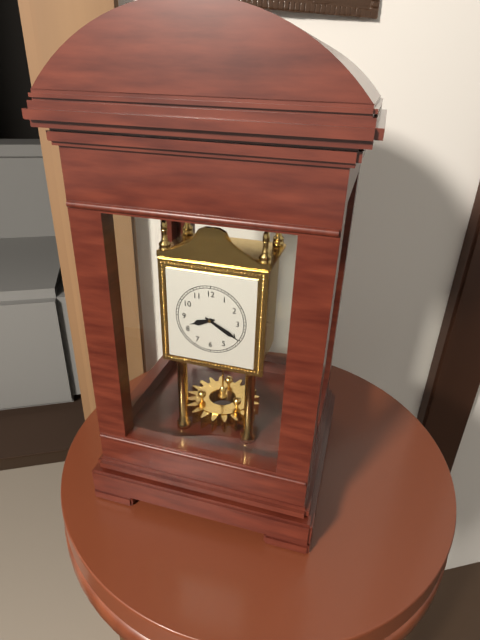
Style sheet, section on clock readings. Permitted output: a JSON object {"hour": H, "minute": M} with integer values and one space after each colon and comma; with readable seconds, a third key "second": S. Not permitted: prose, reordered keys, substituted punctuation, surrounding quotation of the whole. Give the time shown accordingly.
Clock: {"hour": 8, "minute": 20}
